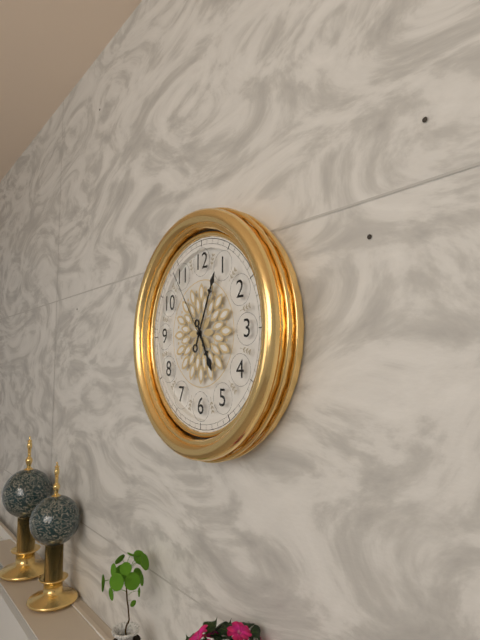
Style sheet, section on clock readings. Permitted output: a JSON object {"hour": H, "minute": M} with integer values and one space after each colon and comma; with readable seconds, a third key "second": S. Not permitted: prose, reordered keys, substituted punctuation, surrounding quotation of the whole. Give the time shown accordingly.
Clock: {"hour": 5, "minute": 4, "second": 54}
